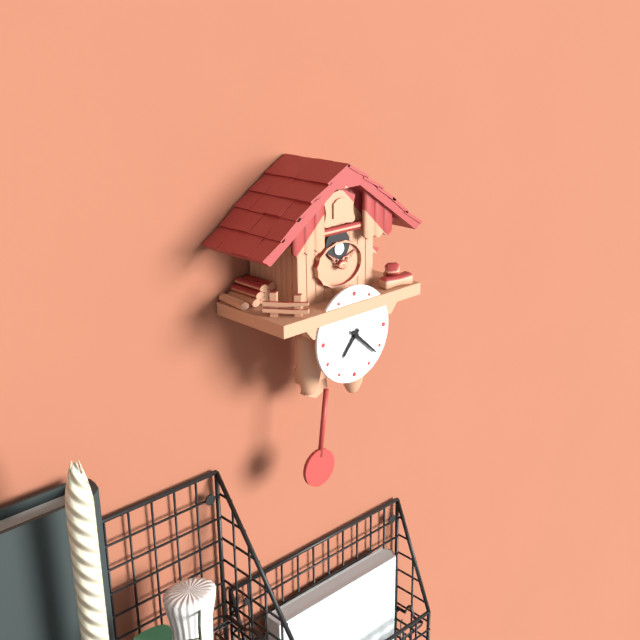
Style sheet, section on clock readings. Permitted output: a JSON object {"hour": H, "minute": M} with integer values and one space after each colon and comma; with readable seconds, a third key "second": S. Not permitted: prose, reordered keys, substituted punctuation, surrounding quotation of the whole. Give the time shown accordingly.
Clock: {"hour": 7, "minute": 22}
